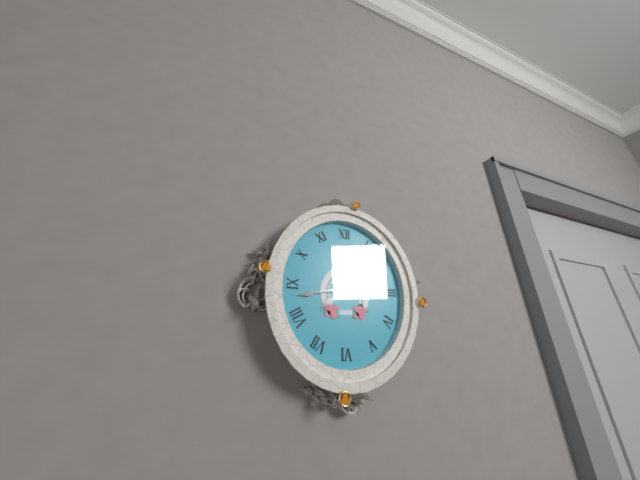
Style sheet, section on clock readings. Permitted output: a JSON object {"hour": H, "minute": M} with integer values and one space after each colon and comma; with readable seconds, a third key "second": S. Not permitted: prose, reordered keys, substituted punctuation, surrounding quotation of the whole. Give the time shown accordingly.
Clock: {"hour": 7, "minute": 43, "second": 7}
